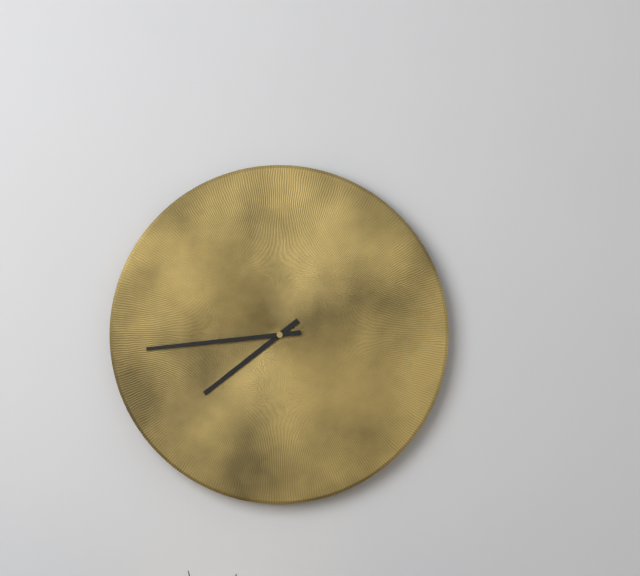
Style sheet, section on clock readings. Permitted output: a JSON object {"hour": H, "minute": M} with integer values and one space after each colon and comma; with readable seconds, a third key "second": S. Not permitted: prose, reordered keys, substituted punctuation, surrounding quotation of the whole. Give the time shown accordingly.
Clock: {"hour": 7, "minute": 44}
